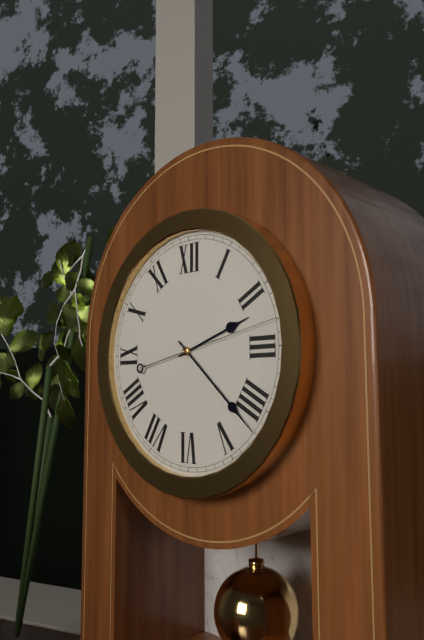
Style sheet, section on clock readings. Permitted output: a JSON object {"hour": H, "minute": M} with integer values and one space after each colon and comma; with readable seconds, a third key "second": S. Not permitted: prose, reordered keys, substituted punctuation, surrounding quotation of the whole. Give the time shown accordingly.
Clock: {"hour": 2, "minute": 22, "second": 13}
